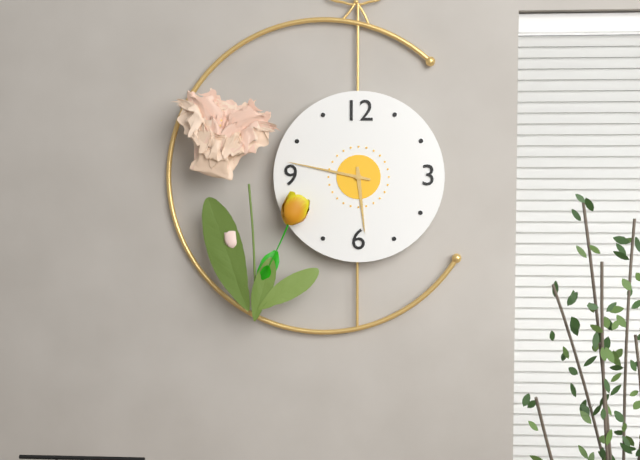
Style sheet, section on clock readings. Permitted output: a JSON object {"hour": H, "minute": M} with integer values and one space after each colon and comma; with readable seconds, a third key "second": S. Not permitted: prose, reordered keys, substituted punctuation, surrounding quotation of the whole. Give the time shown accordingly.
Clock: {"hour": 5, "minute": 47}
